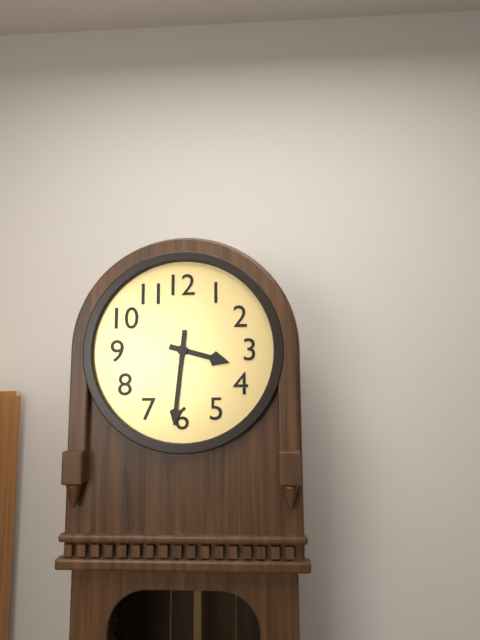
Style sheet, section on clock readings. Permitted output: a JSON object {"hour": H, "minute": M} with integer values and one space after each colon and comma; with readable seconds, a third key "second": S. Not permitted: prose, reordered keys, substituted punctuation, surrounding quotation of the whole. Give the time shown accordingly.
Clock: {"hour": 3, "minute": 31}
